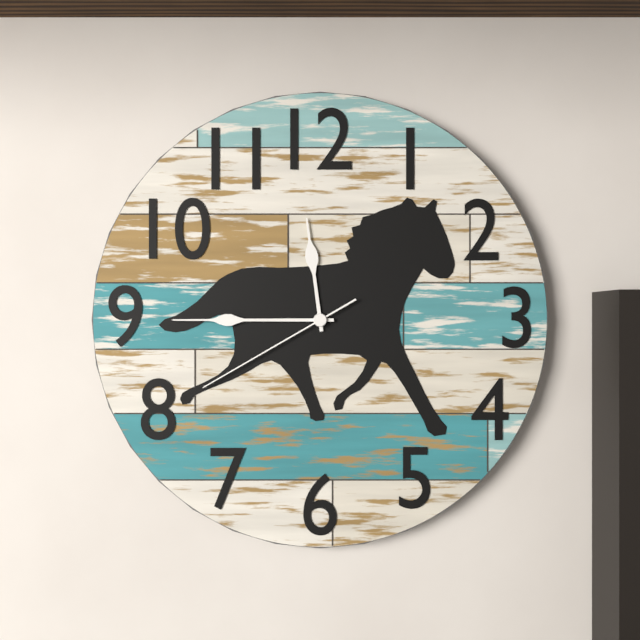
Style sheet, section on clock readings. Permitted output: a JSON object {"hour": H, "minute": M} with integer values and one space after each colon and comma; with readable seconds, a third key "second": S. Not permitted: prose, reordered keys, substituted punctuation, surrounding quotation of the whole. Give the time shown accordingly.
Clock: {"hour": 11, "minute": 45, "second": 40}
